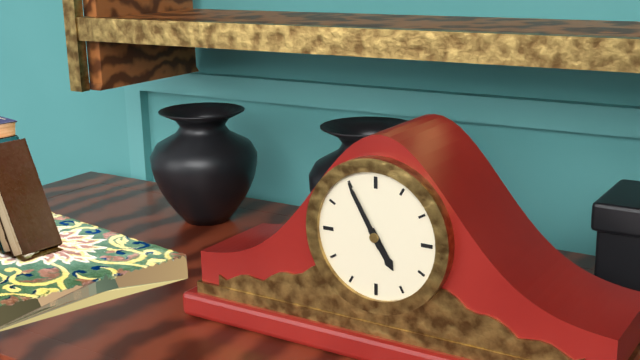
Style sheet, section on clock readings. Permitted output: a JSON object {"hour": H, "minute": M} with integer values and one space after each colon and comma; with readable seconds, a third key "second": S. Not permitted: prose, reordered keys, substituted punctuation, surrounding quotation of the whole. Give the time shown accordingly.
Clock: {"hour": 4, "minute": 55}
